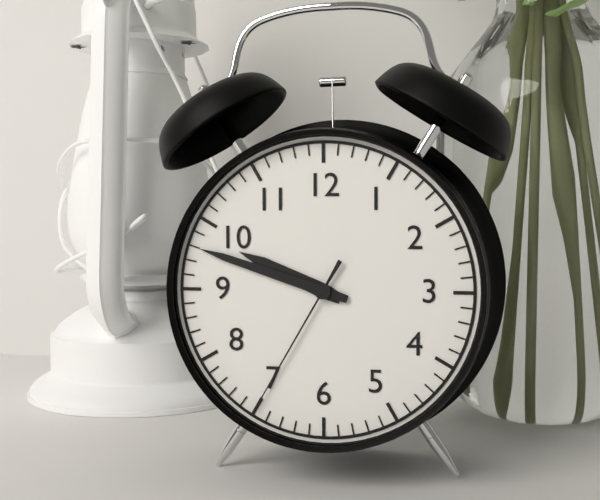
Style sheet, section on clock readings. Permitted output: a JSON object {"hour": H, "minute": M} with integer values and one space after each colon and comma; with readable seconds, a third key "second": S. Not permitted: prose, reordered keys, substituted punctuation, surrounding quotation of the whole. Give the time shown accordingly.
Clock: {"hour": 9, "minute": 48, "second": 35}
